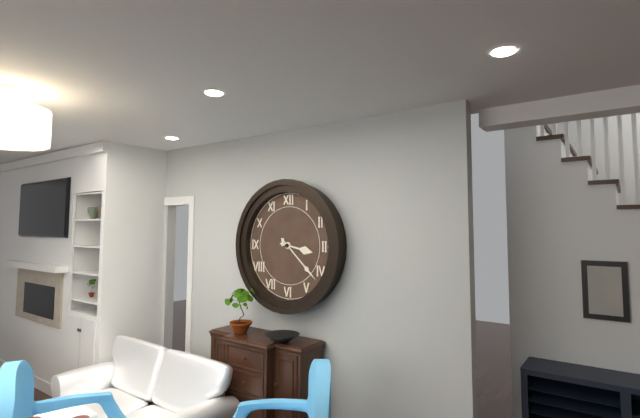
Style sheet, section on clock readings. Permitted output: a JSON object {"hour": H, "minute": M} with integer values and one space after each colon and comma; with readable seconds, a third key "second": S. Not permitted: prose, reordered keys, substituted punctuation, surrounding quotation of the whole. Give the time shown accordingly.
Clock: {"hour": 3, "minute": 22}
